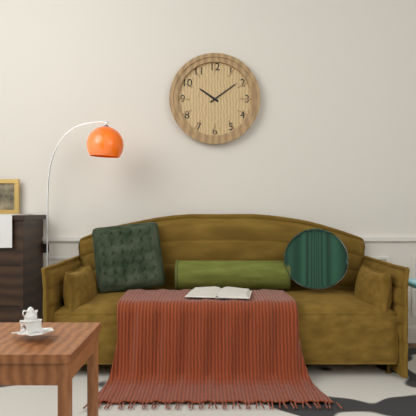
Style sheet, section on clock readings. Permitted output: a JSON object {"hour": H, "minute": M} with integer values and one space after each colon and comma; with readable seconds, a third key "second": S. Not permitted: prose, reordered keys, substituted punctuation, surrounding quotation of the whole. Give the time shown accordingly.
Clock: {"hour": 10, "minute": 9}
